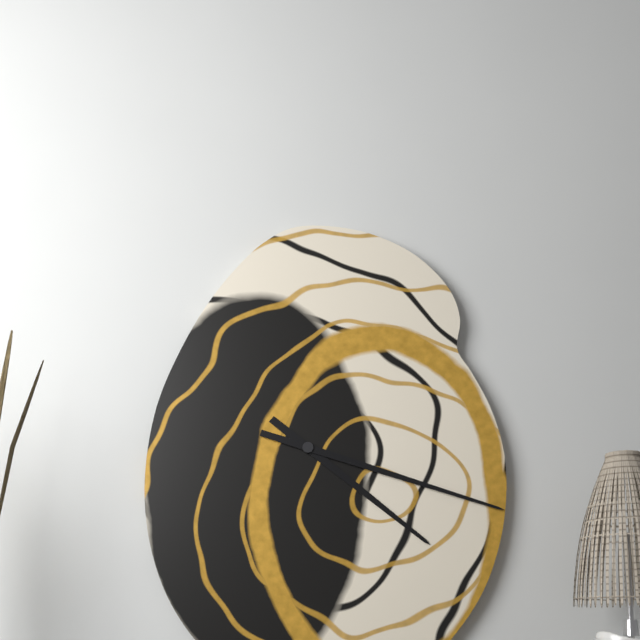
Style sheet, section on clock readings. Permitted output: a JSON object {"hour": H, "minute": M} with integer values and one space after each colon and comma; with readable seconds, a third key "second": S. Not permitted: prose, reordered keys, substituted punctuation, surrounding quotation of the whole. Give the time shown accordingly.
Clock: {"hour": 4, "minute": 18}
